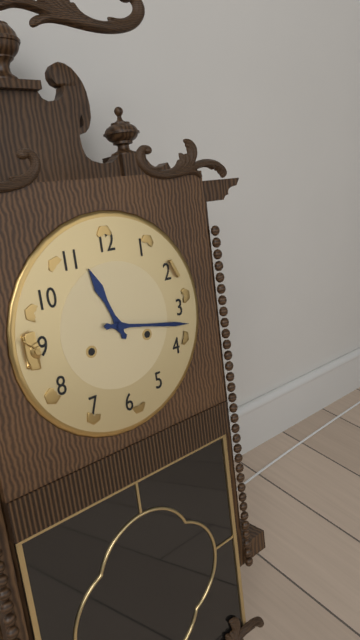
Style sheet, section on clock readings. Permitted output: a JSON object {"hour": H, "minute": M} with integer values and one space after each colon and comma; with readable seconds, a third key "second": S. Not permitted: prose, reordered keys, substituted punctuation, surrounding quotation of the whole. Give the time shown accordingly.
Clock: {"hour": 11, "minute": 17}
